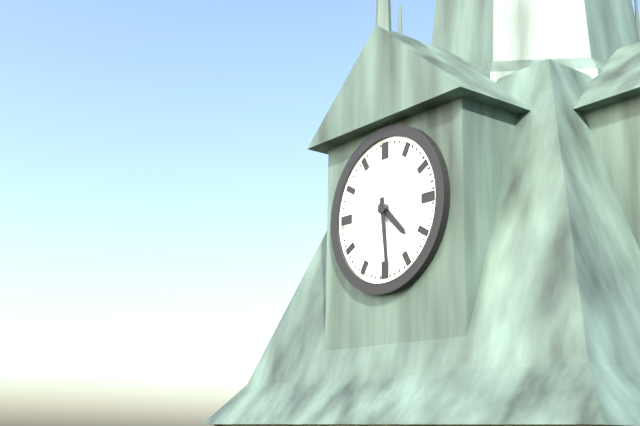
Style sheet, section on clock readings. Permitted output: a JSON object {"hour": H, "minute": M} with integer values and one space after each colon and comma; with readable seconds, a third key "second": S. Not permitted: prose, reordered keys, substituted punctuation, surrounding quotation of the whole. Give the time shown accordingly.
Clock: {"hour": 4, "minute": 29}
